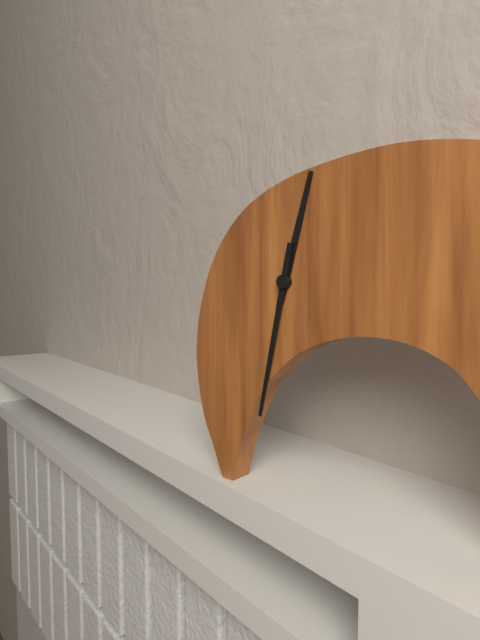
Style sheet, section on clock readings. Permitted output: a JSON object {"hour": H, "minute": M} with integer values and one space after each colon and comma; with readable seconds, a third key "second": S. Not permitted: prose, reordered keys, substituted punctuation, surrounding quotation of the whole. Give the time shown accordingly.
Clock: {"hour": 12, "minute": 32}
